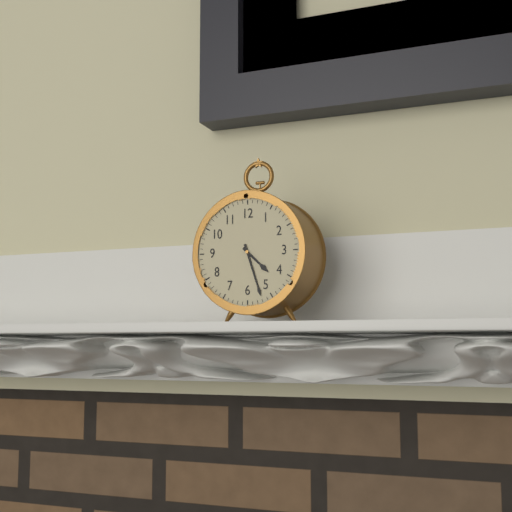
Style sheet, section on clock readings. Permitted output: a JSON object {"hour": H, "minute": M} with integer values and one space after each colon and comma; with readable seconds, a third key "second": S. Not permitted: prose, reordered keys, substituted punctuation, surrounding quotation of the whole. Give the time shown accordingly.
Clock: {"hour": 4, "minute": 27}
